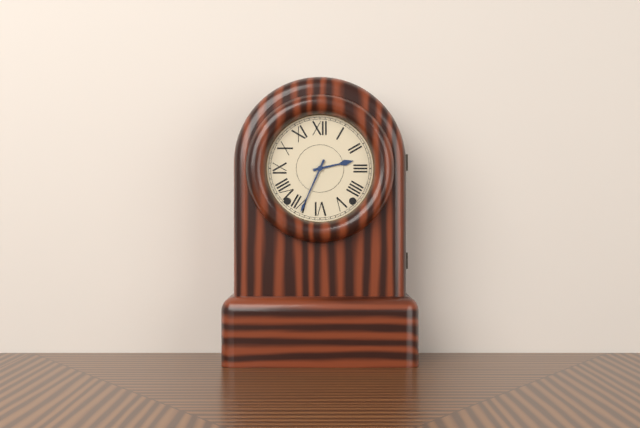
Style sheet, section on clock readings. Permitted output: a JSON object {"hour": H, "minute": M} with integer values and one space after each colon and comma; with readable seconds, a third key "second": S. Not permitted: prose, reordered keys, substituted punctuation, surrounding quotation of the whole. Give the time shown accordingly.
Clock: {"hour": 2, "minute": 34}
